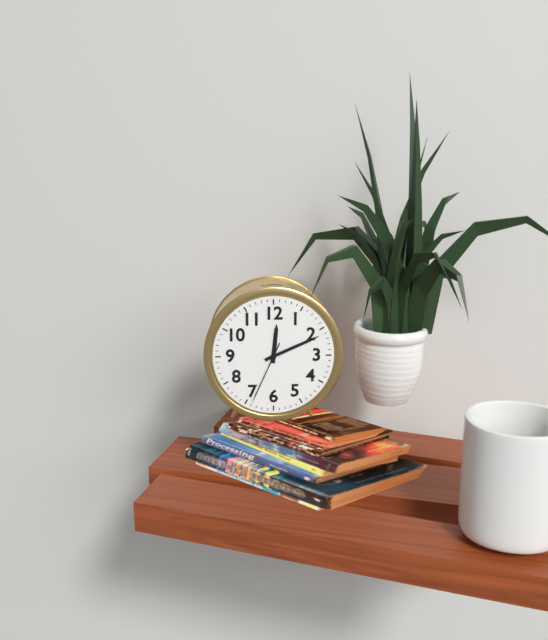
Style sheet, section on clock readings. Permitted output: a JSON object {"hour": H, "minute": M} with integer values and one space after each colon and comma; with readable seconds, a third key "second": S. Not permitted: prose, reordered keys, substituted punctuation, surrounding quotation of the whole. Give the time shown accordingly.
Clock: {"hour": 12, "minute": 11, "second": 34}
